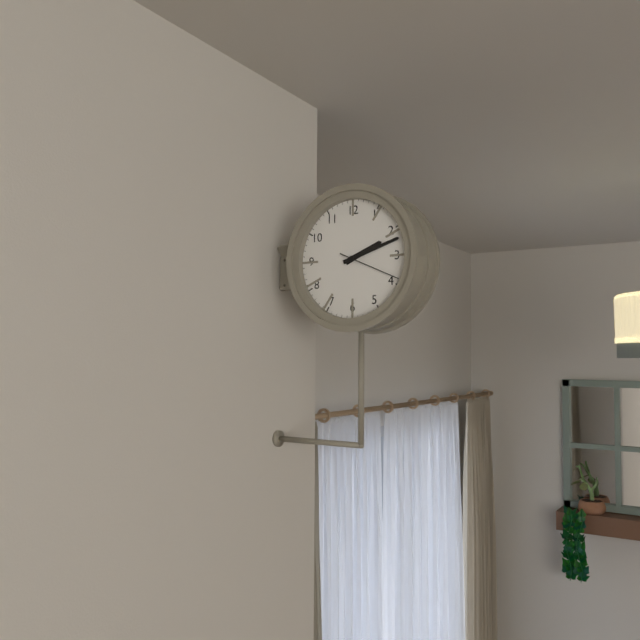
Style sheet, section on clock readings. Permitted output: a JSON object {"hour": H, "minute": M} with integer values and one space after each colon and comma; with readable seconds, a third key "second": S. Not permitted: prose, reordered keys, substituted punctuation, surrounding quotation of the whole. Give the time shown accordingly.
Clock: {"hour": 2, "minute": 12, "second": 19}
